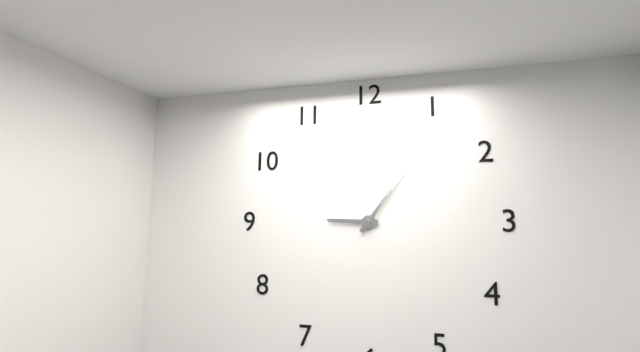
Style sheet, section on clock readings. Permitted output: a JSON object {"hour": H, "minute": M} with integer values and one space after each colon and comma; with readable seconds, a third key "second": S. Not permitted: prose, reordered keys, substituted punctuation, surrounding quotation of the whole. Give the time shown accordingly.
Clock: {"hour": 9, "minute": 6}
